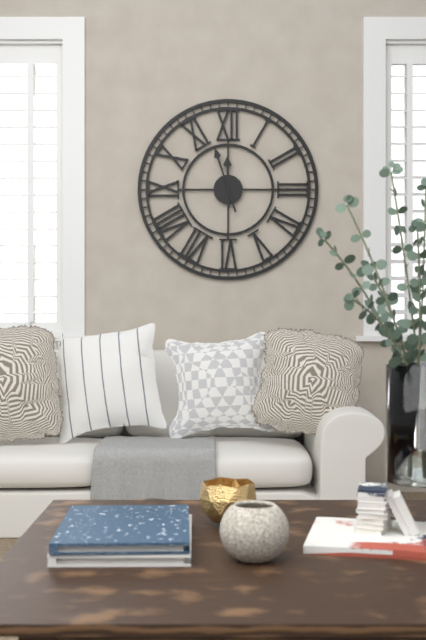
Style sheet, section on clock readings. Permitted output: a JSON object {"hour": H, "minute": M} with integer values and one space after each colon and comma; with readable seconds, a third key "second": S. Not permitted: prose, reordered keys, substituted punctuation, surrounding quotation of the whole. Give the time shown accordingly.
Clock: {"hour": 11, "minute": 57}
